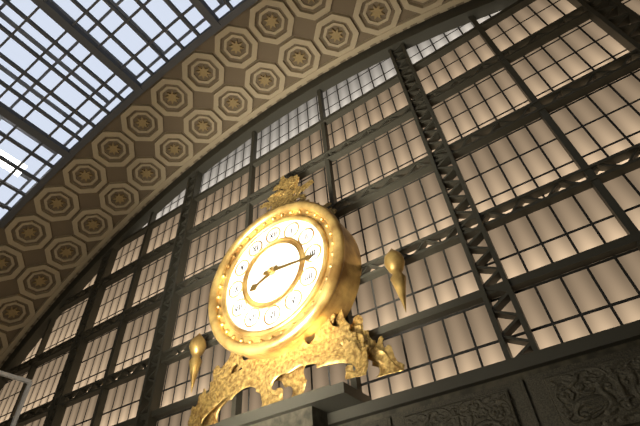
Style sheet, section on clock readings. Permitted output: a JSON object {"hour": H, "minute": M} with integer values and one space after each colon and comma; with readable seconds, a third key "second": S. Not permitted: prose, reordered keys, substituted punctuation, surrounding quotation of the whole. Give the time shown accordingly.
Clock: {"hour": 8, "minute": 16}
